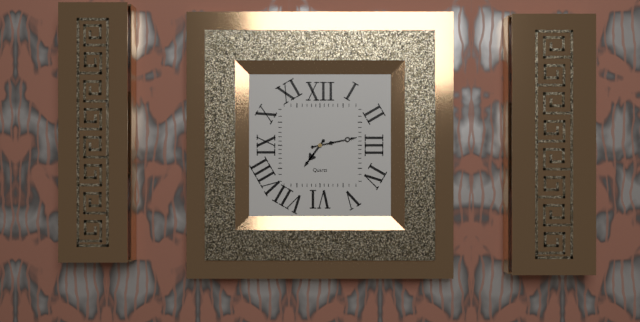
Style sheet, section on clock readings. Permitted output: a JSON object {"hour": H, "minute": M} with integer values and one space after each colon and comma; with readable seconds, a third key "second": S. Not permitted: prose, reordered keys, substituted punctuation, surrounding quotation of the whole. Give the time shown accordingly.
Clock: {"hour": 7, "minute": 13}
